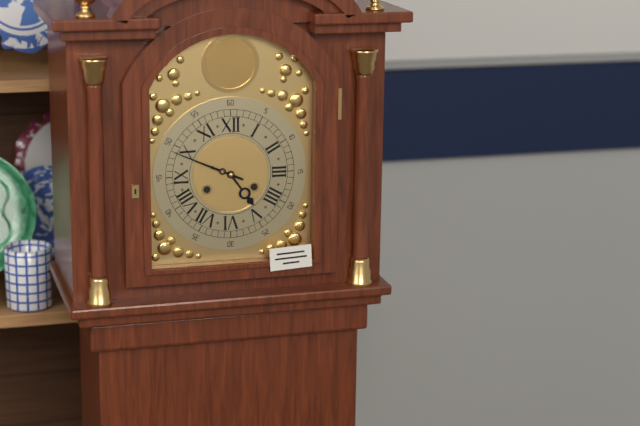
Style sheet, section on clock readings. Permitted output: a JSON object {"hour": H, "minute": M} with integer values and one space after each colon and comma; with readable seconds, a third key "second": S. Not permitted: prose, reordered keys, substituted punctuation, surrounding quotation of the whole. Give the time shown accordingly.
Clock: {"hour": 4, "minute": 49}
